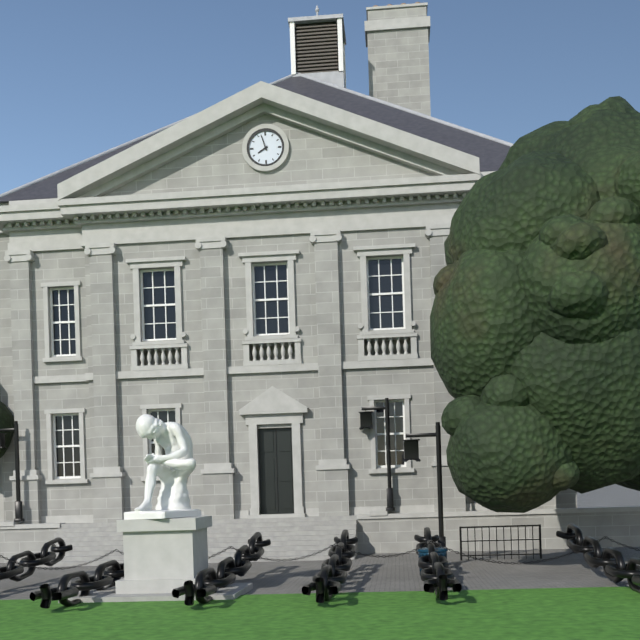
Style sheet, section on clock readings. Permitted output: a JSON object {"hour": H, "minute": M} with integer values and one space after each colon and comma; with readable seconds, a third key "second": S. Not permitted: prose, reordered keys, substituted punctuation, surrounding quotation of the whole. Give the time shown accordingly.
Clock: {"hour": 7, "minute": 57}
